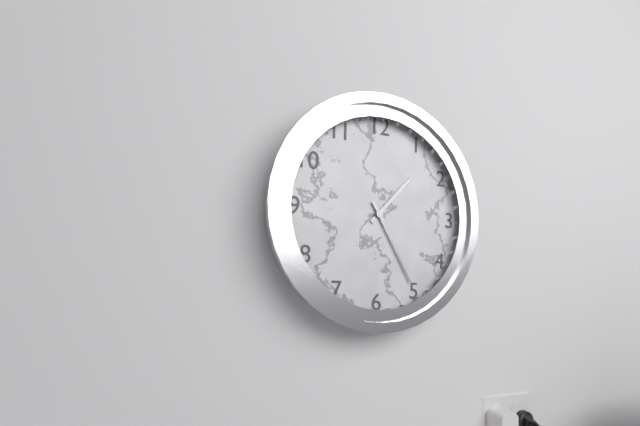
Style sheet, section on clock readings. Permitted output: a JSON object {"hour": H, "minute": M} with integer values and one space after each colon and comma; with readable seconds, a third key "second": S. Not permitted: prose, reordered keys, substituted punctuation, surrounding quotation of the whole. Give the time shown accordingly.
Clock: {"hour": 1, "minute": 25}
